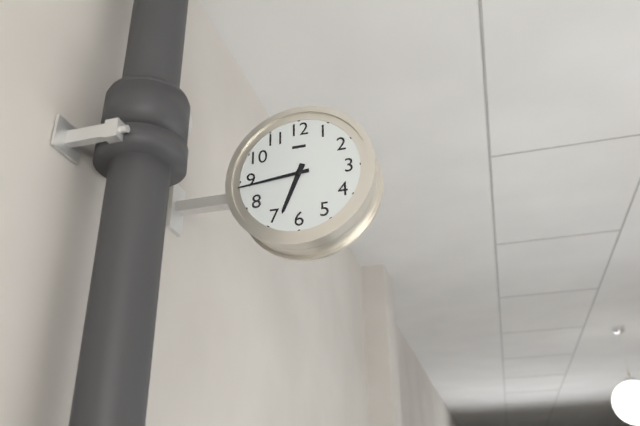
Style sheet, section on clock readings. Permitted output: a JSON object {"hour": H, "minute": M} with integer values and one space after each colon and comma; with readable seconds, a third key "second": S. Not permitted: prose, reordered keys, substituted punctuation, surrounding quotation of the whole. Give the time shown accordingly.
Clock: {"hour": 6, "minute": 44}
